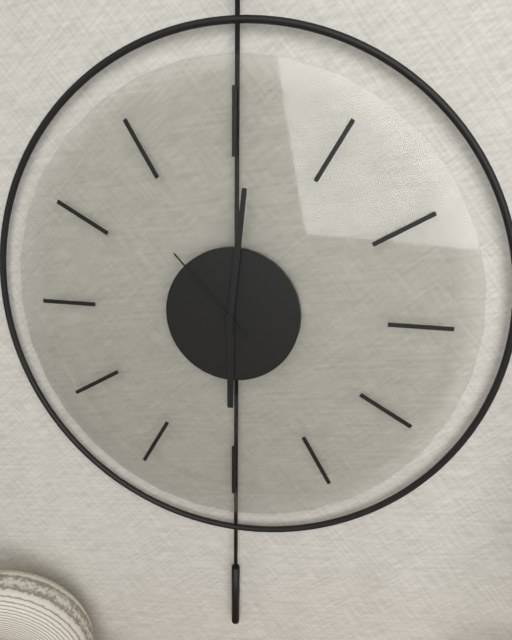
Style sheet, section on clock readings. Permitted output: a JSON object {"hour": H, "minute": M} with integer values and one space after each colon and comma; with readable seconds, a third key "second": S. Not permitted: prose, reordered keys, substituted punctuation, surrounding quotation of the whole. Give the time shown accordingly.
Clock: {"hour": 6, "minute": 1, "second": 53}
